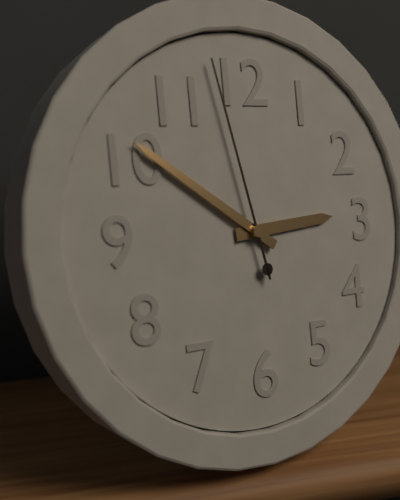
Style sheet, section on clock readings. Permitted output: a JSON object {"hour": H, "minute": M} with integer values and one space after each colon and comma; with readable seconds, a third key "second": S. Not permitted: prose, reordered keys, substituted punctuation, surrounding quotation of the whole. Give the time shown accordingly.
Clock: {"hour": 2, "minute": 51, "second": 58}
